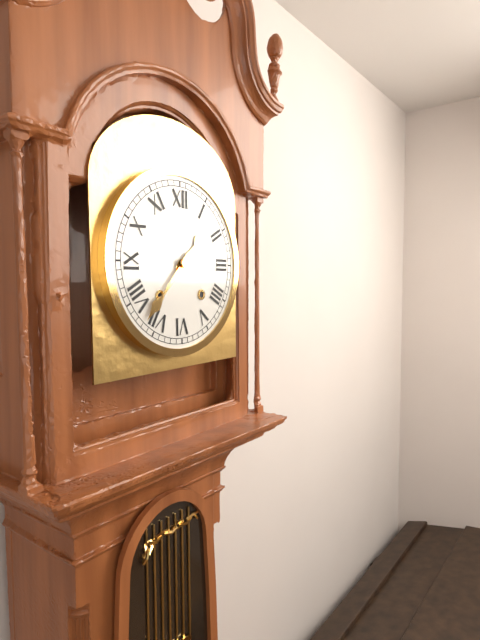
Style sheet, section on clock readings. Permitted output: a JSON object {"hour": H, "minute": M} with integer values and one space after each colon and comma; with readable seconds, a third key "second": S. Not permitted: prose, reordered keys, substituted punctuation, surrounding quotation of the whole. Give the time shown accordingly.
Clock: {"hour": 1, "minute": 37}
